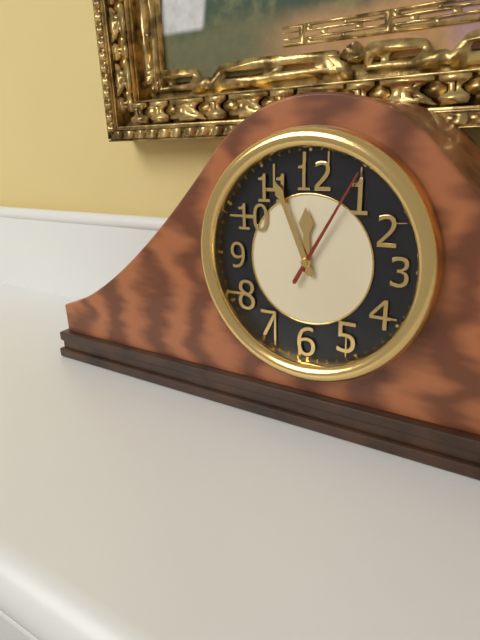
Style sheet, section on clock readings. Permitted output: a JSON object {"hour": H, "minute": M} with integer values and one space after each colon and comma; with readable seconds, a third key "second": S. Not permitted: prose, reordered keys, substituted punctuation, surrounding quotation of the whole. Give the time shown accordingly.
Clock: {"hour": 11, "minute": 56, "second": 5}
